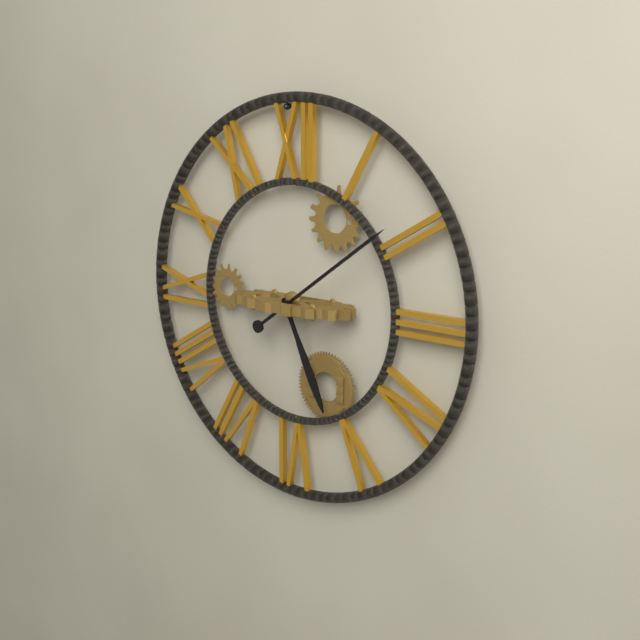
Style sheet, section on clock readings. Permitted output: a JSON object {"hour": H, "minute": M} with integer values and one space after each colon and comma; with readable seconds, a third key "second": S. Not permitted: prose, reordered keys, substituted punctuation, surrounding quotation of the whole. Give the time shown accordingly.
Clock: {"hour": 5, "minute": 9}
